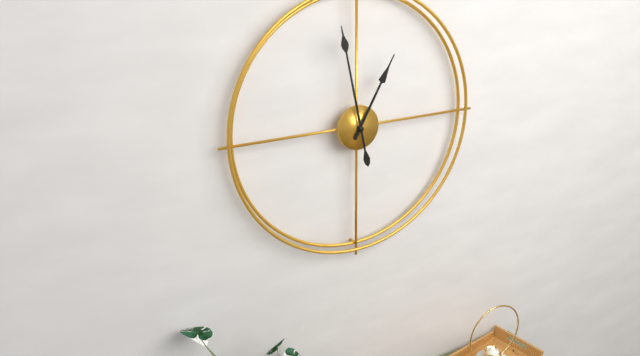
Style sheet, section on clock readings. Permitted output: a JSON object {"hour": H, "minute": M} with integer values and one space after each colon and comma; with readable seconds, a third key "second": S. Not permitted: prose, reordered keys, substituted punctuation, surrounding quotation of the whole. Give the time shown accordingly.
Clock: {"hour": 12, "minute": 58}
